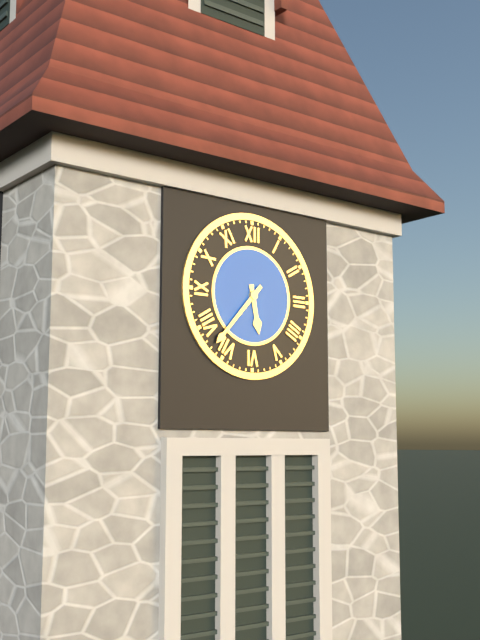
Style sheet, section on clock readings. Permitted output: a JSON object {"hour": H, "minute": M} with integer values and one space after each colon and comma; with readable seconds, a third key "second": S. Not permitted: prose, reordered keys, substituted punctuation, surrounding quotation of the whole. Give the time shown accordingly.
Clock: {"hour": 5, "minute": 37}
